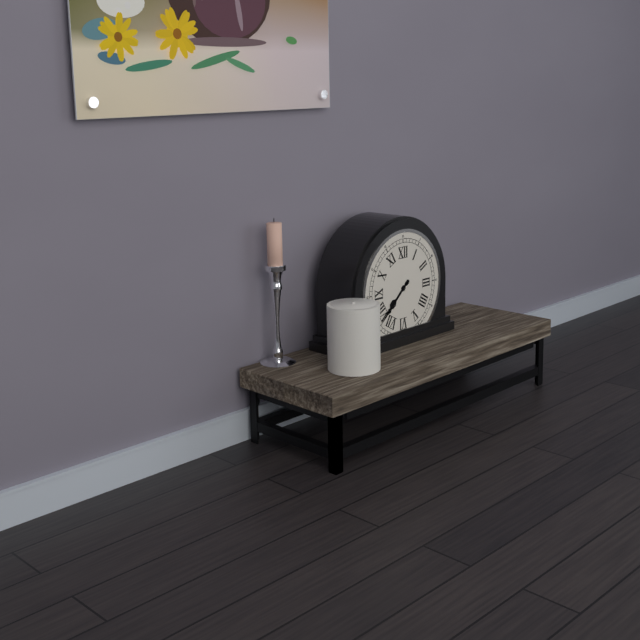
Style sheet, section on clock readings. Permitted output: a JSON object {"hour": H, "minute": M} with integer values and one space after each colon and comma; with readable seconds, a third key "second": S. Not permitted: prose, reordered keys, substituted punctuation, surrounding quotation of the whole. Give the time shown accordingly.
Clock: {"hour": 7, "minute": 38}
